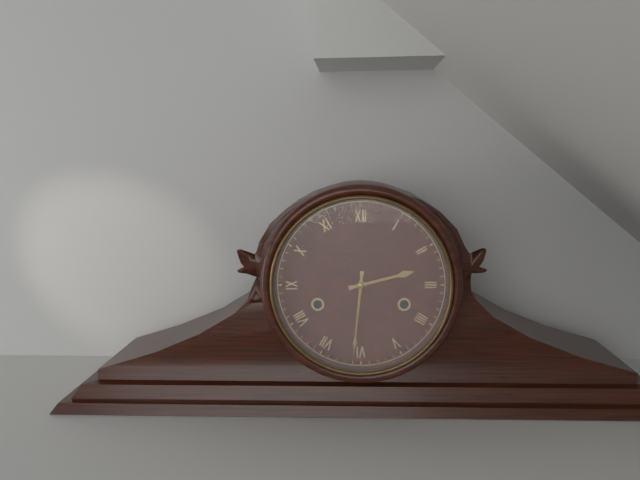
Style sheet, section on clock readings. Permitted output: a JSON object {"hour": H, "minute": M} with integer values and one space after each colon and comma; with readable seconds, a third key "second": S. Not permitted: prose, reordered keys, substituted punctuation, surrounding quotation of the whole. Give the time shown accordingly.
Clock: {"hour": 2, "minute": 31}
